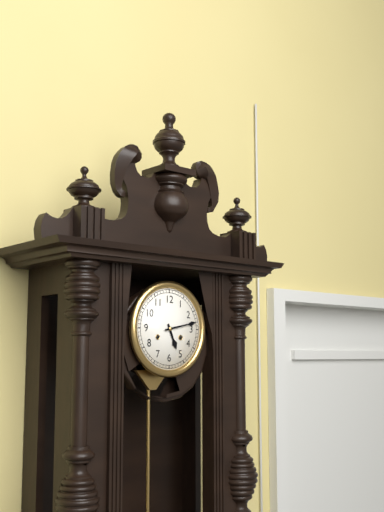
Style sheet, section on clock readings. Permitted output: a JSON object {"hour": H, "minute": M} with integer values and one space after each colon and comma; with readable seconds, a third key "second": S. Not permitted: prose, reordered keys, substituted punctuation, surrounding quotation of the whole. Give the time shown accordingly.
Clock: {"hour": 5, "minute": 13}
